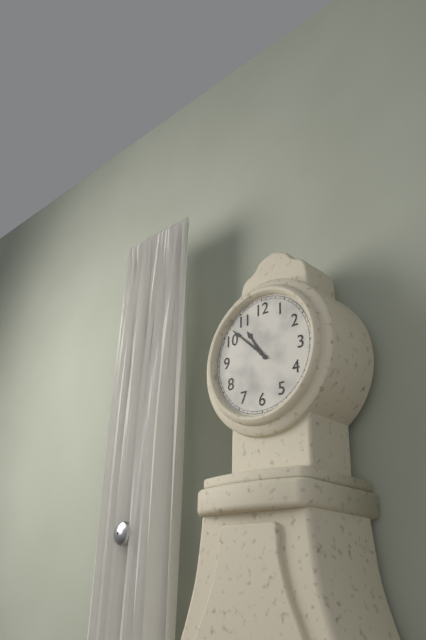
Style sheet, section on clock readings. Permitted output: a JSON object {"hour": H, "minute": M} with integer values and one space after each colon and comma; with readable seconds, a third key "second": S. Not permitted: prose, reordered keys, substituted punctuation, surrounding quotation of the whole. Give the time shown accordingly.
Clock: {"hour": 10, "minute": 52}
